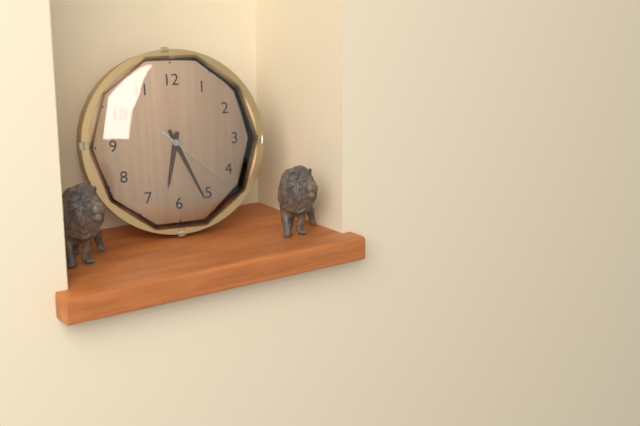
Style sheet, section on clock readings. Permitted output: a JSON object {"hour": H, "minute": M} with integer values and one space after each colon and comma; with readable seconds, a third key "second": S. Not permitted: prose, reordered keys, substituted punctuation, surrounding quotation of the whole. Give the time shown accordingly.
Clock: {"hour": 6, "minute": 26, "second": 22}
